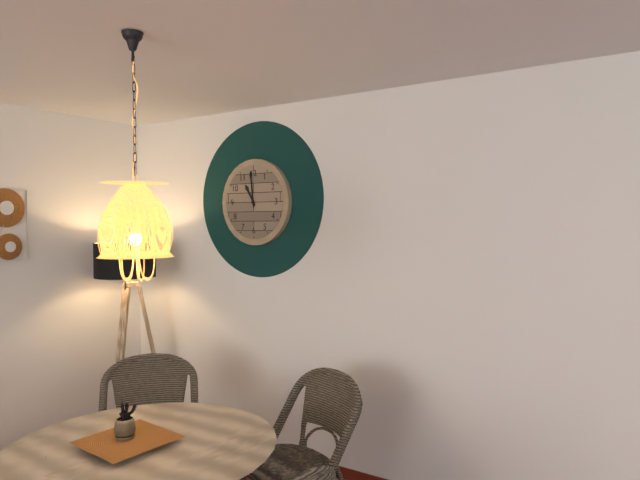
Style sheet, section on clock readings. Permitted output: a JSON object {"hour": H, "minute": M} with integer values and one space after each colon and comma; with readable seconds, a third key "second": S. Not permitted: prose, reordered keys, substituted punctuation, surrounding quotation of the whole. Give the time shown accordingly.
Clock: {"hour": 10, "minute": 59}
